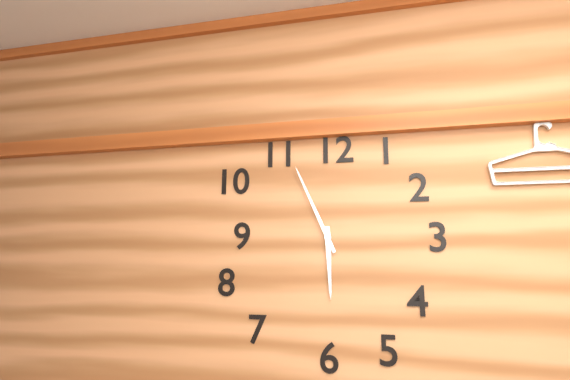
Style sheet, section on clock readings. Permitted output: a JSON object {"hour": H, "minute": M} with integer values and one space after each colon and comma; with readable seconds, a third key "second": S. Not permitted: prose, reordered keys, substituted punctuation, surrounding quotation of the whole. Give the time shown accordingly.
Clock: {"hour": 5, "minute": 56}
